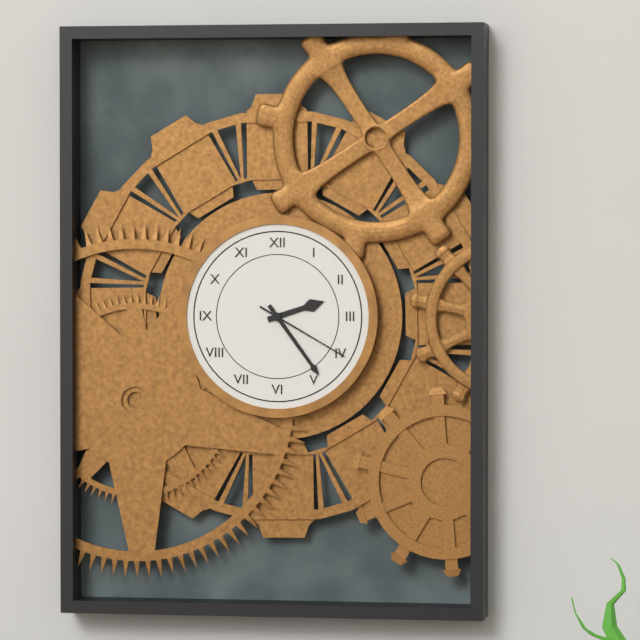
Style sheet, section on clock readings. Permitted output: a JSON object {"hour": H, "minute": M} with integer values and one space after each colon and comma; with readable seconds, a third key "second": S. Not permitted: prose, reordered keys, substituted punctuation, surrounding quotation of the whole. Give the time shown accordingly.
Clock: {"hour": 2, "minute": 24, "second": 20}
